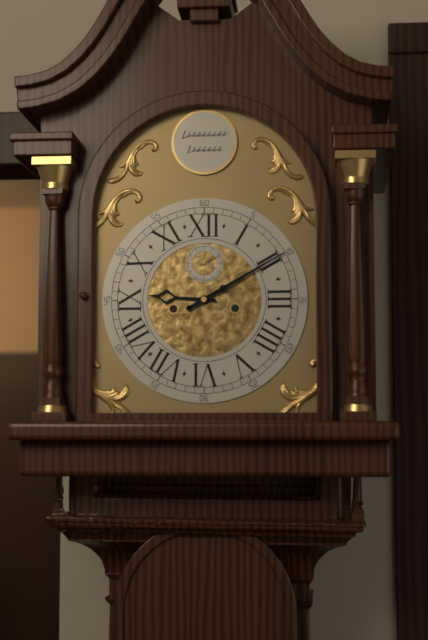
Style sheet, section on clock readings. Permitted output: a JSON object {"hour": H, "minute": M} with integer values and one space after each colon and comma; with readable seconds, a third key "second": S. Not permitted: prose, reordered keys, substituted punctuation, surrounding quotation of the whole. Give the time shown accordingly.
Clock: {"hour": 9, "minute": 10}
